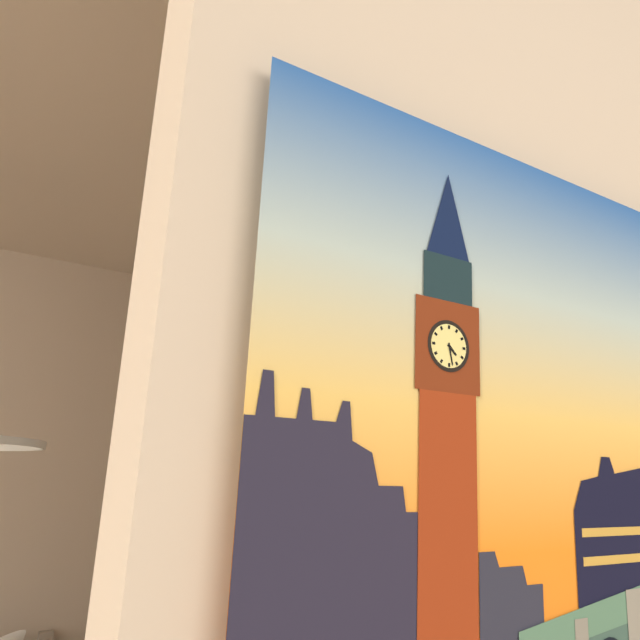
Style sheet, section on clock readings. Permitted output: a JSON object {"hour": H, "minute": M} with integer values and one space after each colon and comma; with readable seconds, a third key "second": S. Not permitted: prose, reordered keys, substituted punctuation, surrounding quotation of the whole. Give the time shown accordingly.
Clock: {"hour": 4, "minute": 28}
